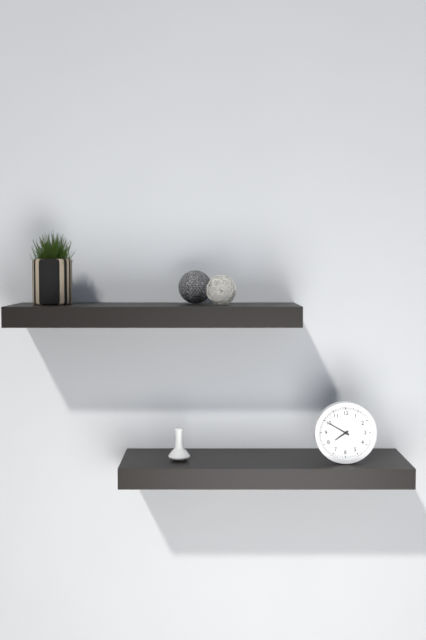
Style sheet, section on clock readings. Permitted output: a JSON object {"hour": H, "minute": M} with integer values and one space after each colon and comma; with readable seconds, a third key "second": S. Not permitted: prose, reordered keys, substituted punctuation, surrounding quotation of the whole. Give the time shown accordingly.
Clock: {"hour": 7, "minute": 50}
